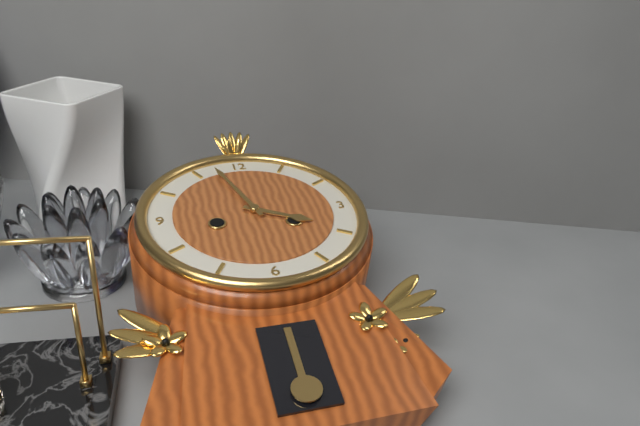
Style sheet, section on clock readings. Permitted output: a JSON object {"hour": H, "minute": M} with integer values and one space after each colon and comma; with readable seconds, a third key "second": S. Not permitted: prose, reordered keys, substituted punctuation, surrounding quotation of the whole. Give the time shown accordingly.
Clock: {"hour": 3, "minute": 57}
